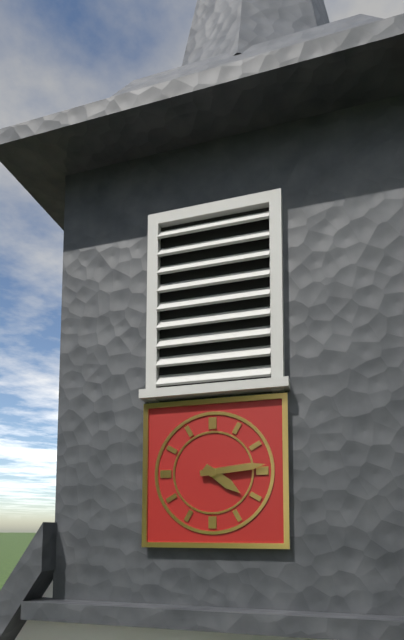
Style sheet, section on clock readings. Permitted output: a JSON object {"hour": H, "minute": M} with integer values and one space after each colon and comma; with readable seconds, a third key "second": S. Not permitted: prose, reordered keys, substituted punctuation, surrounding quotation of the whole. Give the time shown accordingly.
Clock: {"hour": 4, "minute": 14}
